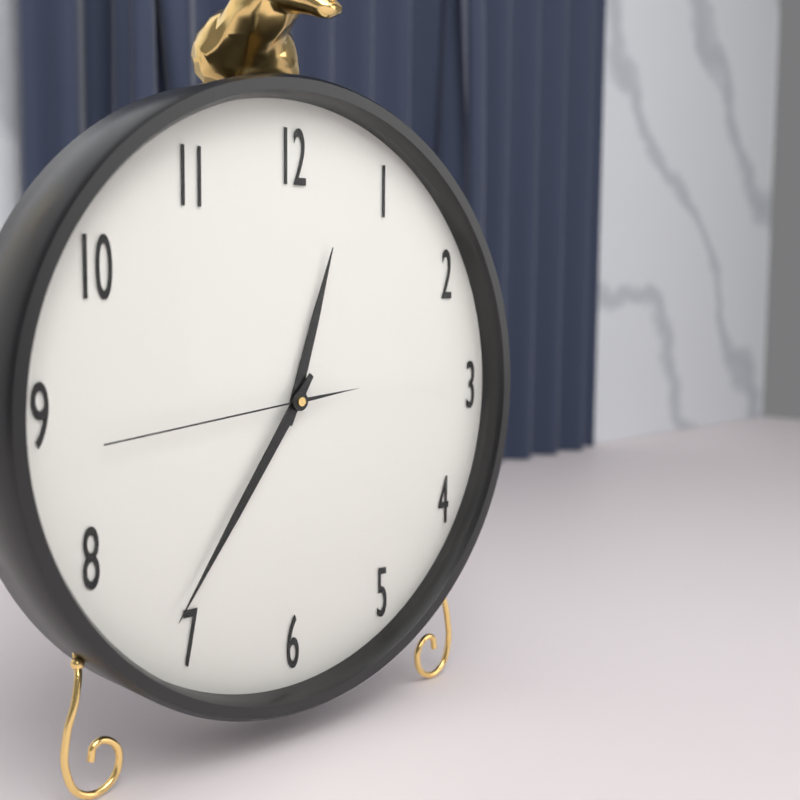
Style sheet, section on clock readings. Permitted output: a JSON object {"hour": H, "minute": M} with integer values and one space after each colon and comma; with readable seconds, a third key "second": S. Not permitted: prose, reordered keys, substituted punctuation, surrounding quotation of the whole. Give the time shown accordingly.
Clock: {"hour": 12, "minute": 36, "second": 44}
